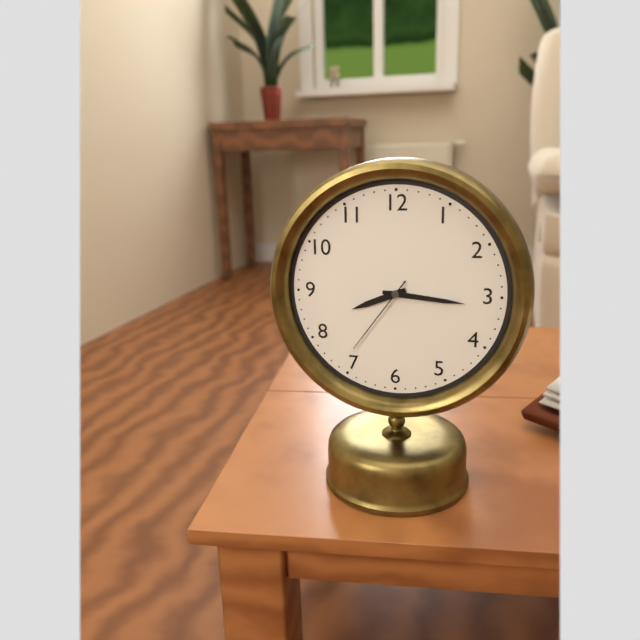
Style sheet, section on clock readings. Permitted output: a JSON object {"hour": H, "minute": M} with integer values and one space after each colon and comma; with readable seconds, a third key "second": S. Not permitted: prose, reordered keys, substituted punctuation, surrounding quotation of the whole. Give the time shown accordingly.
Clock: {"hour": 8, "minute": 16, "second": 36}
